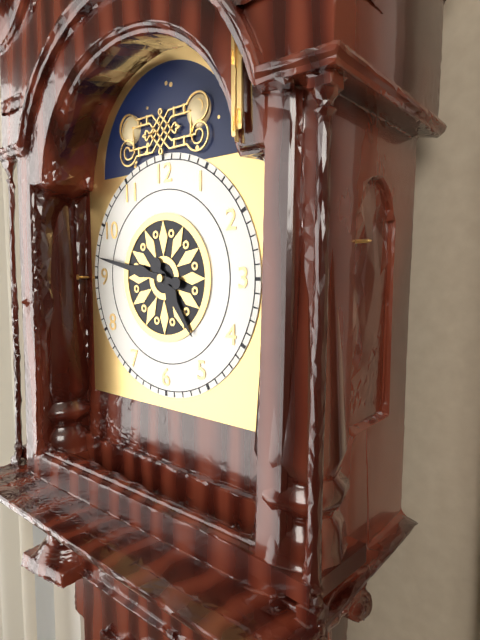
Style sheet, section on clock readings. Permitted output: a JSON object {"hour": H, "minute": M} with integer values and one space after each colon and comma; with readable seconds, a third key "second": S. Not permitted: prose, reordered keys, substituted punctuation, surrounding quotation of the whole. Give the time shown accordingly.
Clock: {"hour": 4, "minute": 47}
